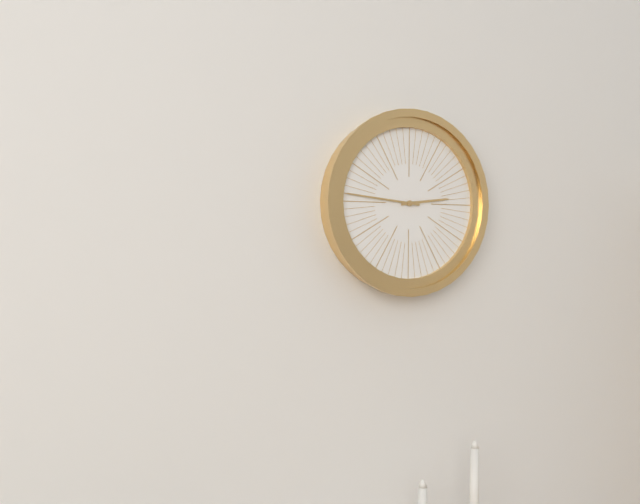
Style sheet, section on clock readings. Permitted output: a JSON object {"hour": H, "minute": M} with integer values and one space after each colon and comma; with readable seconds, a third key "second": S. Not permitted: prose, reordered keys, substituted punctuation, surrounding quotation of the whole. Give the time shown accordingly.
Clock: {"hour": 2, "minute": 46}
